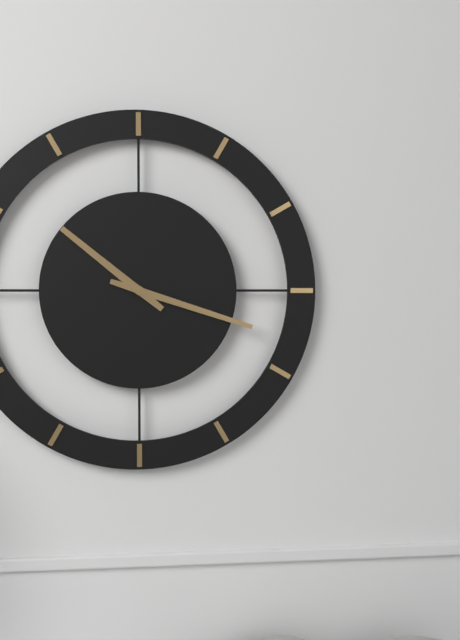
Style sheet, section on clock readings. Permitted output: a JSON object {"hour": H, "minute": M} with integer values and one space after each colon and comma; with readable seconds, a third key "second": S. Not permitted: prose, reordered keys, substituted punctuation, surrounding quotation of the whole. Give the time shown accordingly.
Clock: {"hour": 10, "minute": 18}
